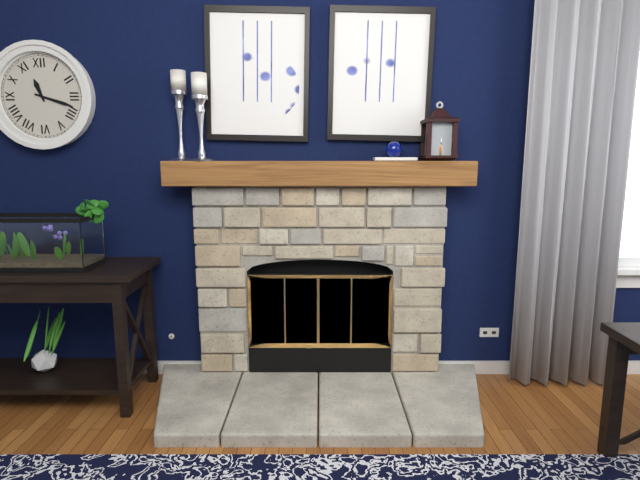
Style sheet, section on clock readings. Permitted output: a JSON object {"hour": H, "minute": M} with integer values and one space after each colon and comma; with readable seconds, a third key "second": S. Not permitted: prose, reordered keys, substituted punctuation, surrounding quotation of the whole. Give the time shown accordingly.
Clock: {"hour": 11, "minute": 18}
